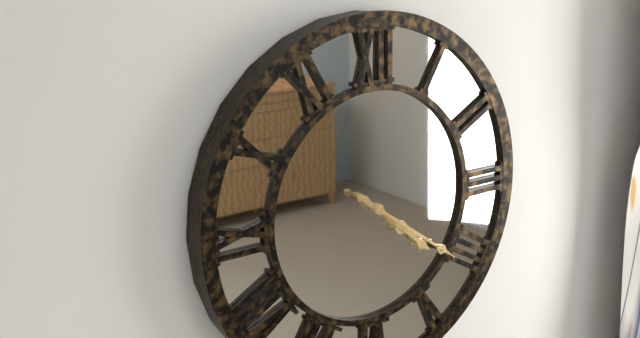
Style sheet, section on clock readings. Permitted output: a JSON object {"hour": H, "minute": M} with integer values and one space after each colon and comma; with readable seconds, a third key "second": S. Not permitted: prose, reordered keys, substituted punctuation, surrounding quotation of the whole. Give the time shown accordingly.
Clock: {"hour": 4, "minute": 21}
